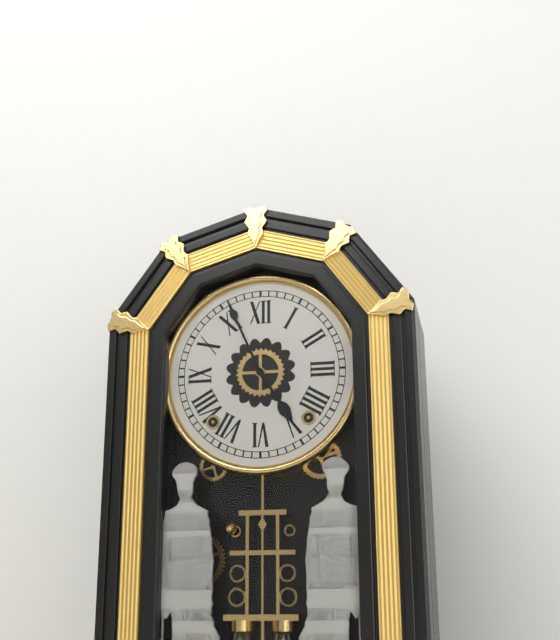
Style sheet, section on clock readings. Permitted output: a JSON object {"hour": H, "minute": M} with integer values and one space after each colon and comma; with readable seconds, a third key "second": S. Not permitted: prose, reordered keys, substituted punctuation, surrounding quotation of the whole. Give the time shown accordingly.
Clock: {"hour": 4, "minute": 56}
